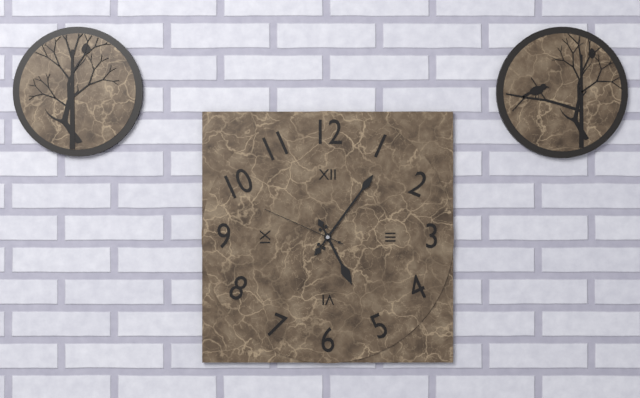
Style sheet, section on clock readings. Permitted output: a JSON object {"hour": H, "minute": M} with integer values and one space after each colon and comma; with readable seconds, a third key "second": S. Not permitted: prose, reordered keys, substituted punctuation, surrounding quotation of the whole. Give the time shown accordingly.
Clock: {"hour": 5, "minute": 6, "second": 49}
